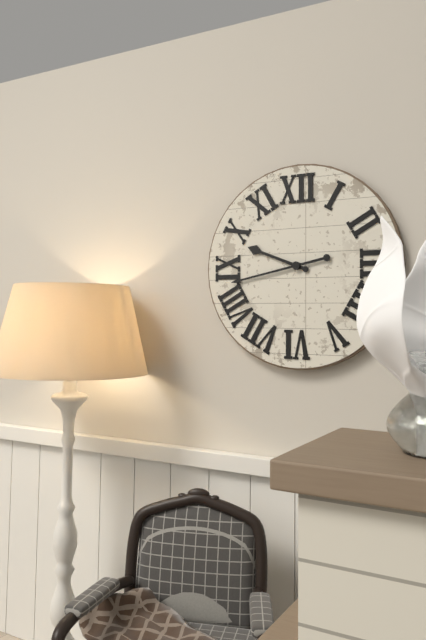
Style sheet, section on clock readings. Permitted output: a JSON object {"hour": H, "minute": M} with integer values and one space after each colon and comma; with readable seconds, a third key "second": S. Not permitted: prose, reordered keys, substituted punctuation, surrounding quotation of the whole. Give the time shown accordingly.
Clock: {"hour": 9, "minute": 43}
